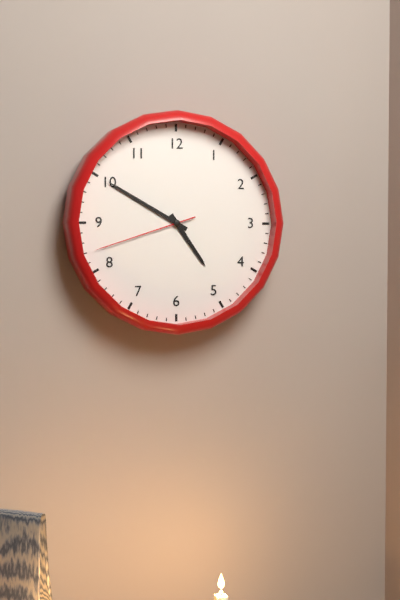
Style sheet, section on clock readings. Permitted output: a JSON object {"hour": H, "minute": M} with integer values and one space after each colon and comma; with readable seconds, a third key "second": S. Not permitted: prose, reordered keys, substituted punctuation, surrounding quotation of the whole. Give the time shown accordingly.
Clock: {"hour": 4, "minute": 50, "second": 42}
